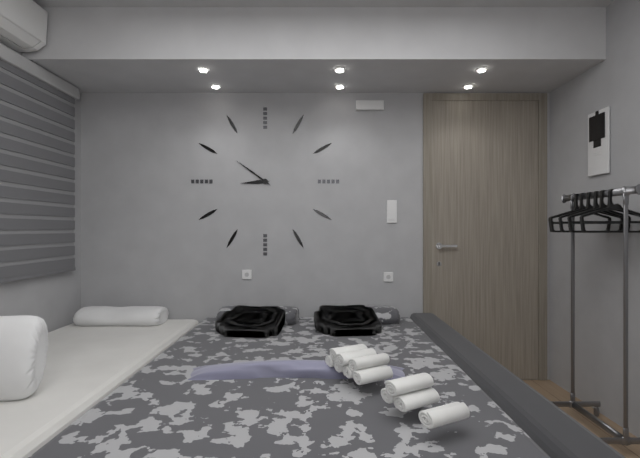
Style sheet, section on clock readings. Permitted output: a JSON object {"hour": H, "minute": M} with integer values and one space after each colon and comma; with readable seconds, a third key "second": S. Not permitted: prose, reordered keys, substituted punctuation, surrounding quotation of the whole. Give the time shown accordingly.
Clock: {"hour": 8, "minute": 51}
